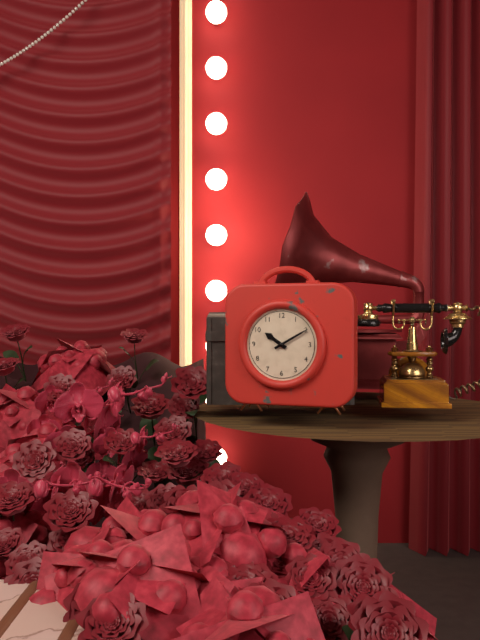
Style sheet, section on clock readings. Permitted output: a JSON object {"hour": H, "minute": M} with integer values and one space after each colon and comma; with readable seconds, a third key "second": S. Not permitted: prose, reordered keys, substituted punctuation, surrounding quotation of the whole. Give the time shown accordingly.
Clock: {"hour": 10, "minute": 10}
